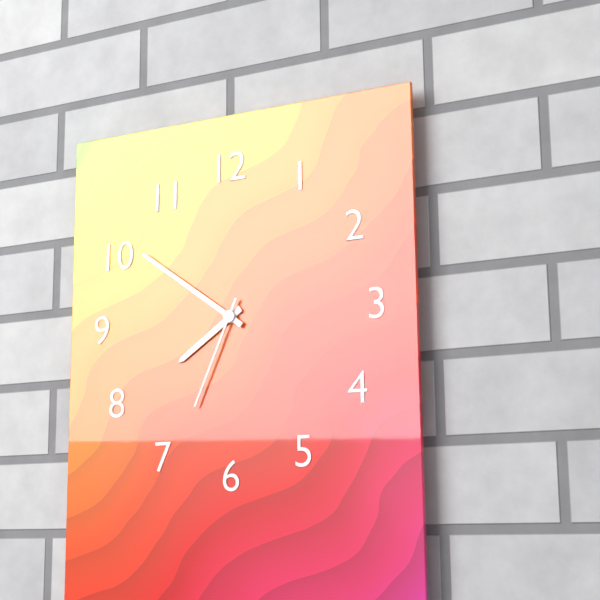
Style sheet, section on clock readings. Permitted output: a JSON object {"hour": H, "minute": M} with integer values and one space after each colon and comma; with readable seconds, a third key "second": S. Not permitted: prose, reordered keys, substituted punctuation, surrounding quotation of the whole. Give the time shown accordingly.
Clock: {"hour": 7, "minute": 51, "second": 34}
